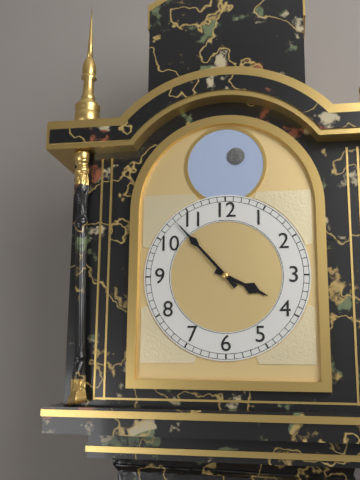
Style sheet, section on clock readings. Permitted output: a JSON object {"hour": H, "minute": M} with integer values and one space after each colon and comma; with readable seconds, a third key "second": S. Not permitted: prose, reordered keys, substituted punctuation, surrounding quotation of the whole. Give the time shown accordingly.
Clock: {"hour": 3, "minute": 53}
